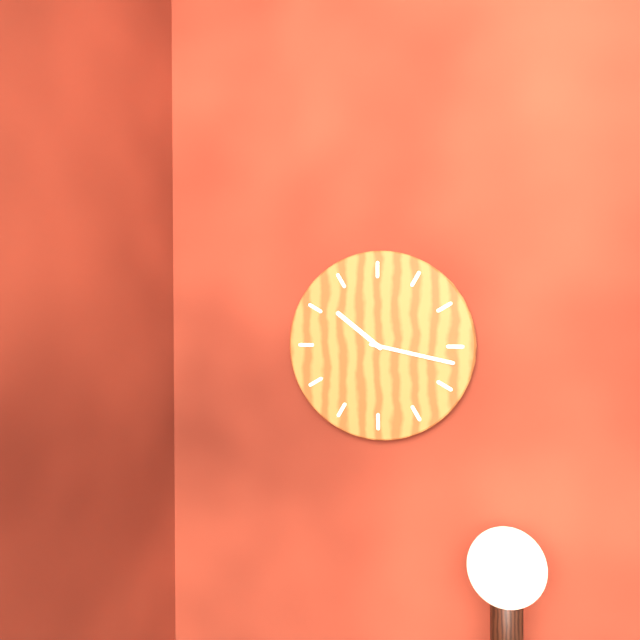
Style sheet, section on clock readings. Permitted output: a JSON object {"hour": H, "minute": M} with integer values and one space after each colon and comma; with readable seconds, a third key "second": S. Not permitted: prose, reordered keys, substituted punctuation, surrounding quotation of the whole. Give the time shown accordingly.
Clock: {"hour": 10, "minute": 17}
